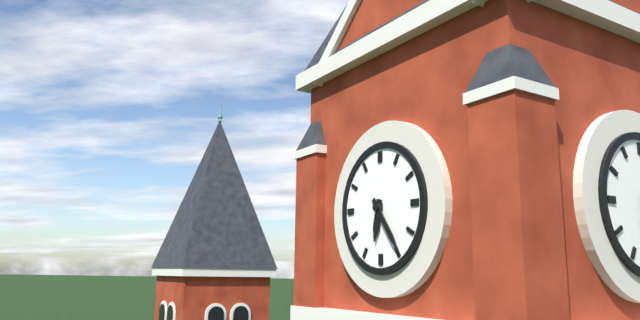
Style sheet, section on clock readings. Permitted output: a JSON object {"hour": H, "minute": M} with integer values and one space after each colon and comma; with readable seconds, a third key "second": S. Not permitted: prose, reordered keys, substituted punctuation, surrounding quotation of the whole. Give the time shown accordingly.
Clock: {"hour": 6, "minute": 24}
